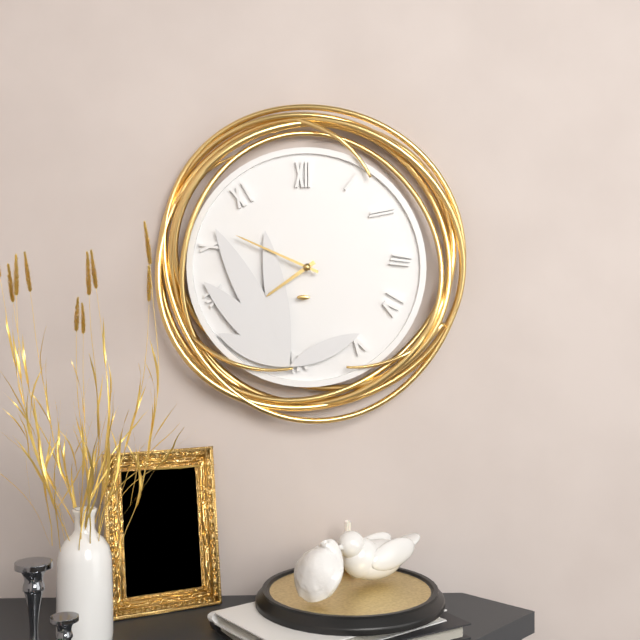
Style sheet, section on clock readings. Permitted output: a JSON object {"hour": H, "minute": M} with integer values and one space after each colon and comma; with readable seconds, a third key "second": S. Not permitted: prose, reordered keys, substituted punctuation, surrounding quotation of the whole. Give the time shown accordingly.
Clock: {"hour": 7, "minute": 49}
